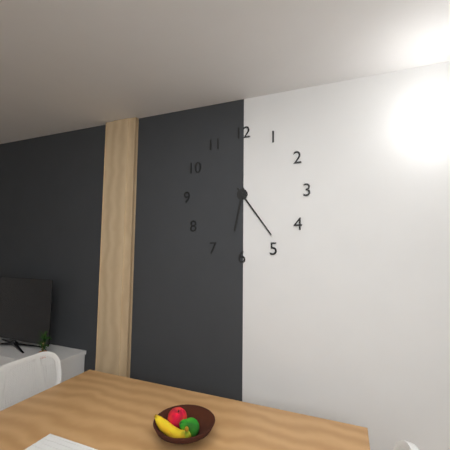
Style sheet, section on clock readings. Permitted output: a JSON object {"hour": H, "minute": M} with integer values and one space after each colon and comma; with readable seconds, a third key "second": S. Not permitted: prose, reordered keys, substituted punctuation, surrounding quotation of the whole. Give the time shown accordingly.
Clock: {"hour": 6, "minute": 24}
